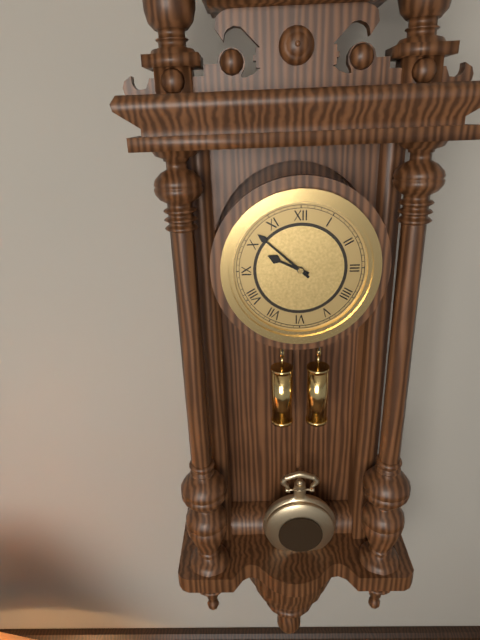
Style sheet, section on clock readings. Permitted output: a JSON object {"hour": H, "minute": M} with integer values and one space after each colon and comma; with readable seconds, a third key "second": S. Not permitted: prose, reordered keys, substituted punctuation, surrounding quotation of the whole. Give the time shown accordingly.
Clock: {"hour": 9, "minute": 52}
